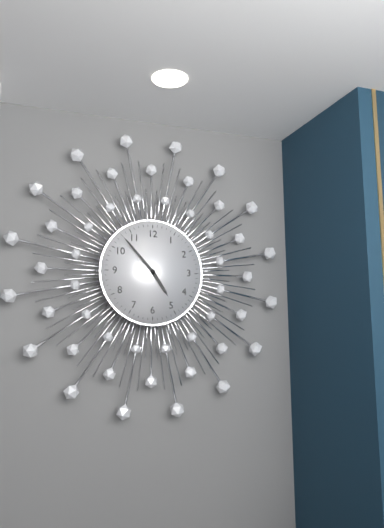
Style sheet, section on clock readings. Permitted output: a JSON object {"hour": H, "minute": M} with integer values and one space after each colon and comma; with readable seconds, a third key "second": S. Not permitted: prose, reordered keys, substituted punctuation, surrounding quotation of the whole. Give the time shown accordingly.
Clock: {"hour": 4, "minute": 53}
